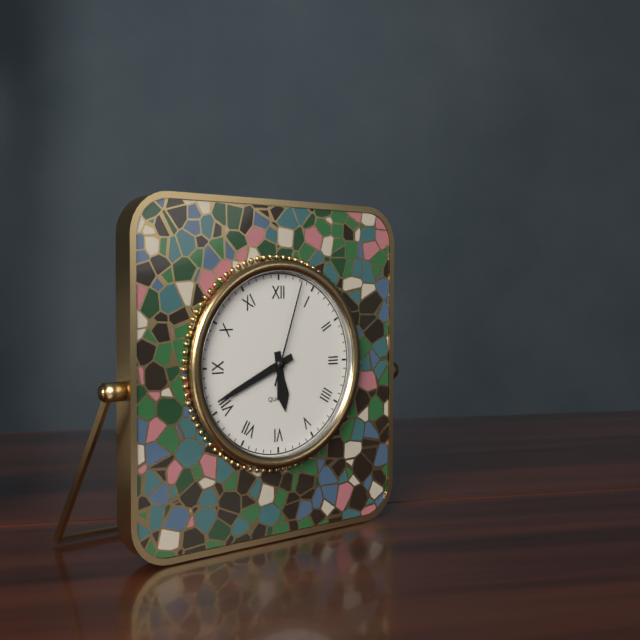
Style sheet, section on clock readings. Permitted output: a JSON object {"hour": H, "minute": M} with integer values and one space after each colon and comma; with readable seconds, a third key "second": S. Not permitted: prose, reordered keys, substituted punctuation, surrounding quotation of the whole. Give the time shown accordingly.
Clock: {"hour": 5, "minute": 41, "second": 3}
